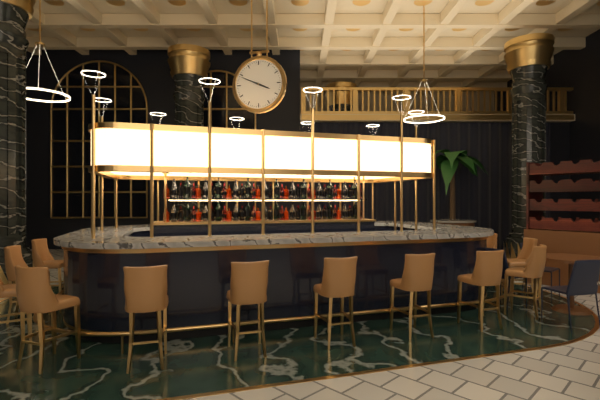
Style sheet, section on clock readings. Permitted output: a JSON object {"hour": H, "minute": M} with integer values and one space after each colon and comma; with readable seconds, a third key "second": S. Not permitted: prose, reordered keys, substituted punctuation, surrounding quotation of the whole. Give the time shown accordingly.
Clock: {"hour": 3, "minute": 49}
